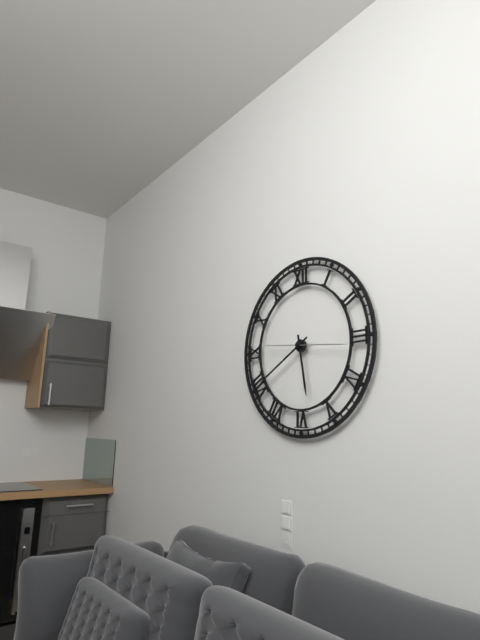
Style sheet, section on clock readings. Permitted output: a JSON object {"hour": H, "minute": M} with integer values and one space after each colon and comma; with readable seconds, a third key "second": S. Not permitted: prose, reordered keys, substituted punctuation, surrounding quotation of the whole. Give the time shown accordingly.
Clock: {"hour": 5, "minute": 40, "second": 16}
